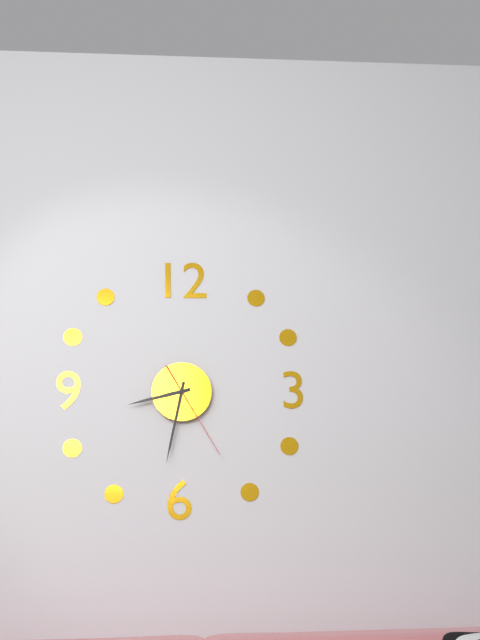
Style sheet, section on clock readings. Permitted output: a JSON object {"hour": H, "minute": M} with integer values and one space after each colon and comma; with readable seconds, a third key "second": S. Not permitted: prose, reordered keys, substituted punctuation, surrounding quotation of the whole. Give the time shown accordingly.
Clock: {"hour": 8, "minute": 32, "second": 25}
